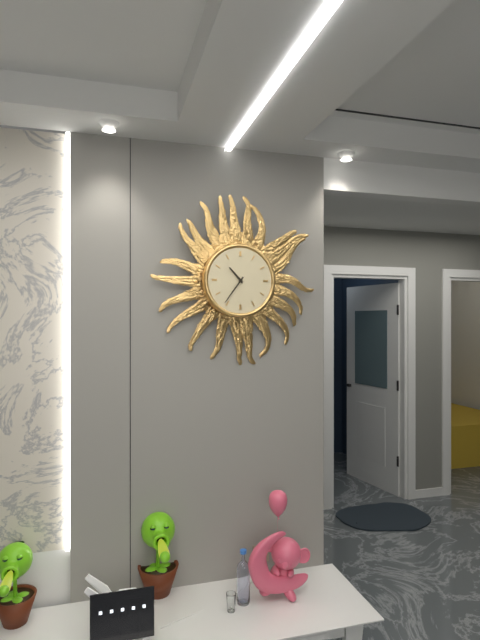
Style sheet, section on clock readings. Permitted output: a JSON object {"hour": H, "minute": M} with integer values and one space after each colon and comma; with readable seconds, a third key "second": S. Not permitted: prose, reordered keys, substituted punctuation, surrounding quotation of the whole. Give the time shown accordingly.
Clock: {"hour": 10, "minute": 36}
